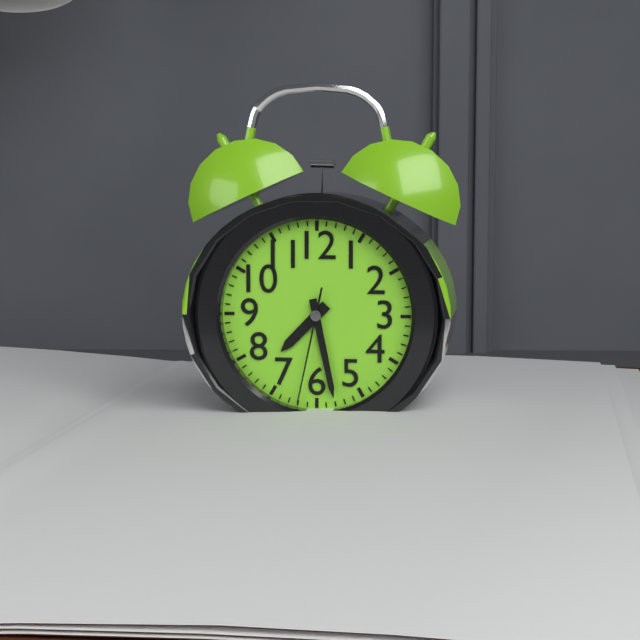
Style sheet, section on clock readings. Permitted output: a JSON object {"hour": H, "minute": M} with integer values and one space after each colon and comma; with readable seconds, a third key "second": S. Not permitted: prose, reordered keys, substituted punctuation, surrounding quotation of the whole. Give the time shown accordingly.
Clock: {"hour": 7, "minute": 28, "second": 32}
